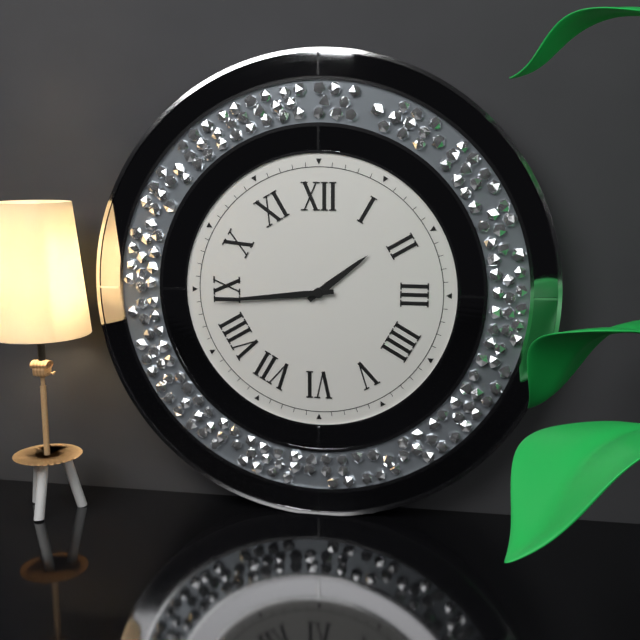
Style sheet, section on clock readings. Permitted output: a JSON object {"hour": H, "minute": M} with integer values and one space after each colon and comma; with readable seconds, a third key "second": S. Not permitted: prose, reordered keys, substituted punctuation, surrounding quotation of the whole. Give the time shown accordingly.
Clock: {"hour": 1, "minute": 44}
